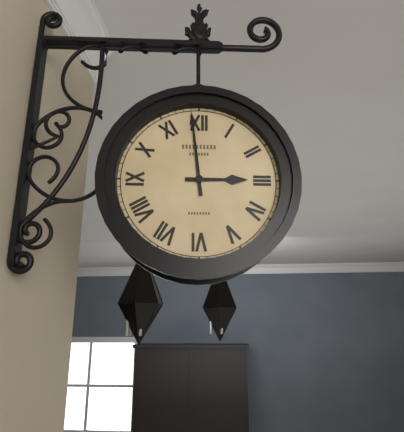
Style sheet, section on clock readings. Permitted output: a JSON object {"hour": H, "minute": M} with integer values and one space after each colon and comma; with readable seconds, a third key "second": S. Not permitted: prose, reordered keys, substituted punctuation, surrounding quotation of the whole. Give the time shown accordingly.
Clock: {"hour": 2, "minute": 59}
